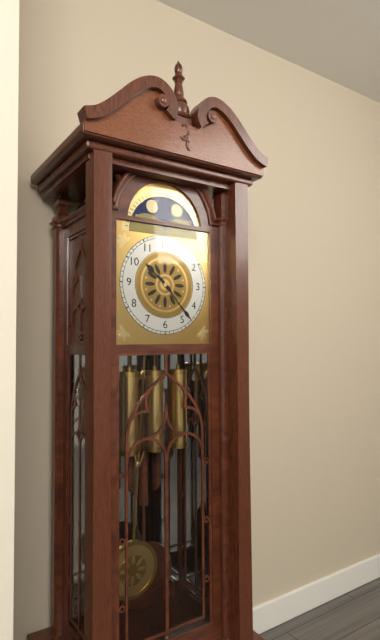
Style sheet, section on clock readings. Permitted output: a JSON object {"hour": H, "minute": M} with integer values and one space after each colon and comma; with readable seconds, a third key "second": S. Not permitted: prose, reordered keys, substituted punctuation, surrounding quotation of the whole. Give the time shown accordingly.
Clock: {"hour": 10, "minute": 23}
